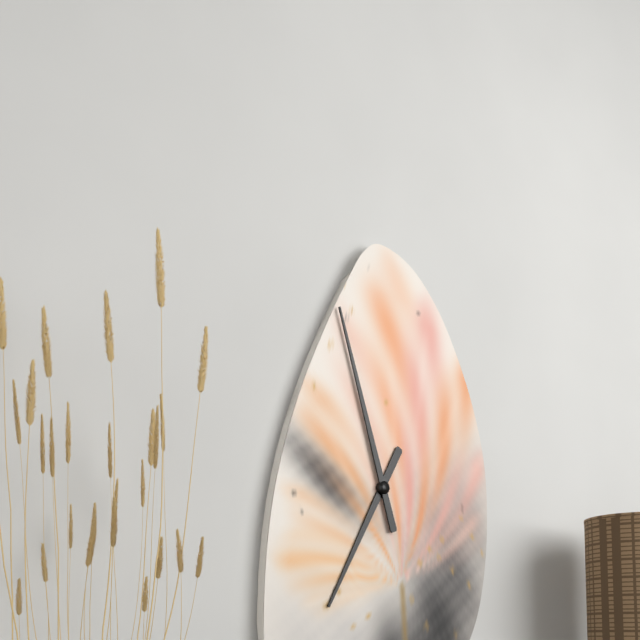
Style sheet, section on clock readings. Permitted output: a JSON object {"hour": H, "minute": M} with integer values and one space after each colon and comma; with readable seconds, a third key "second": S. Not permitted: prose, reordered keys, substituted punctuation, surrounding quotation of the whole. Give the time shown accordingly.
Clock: {"hour": 6, "minute": 57}
